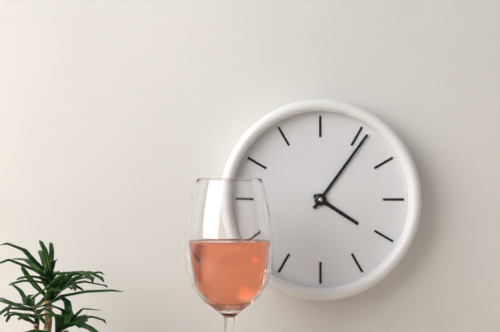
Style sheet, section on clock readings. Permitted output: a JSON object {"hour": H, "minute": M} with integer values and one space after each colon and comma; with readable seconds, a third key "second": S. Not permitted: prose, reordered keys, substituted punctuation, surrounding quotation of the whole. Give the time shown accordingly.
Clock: {"hour": 4, "minute": 6}
